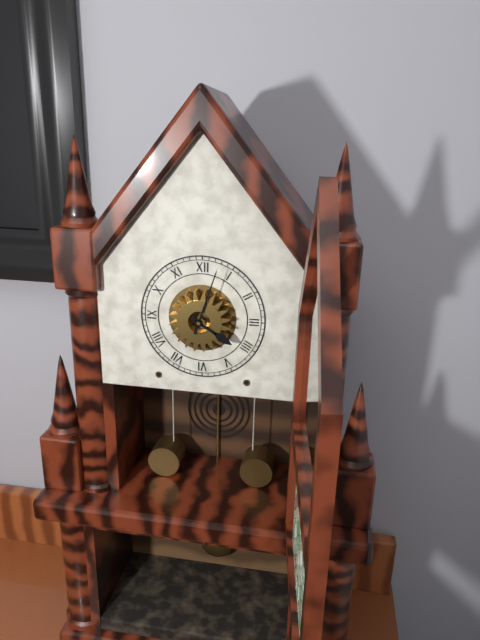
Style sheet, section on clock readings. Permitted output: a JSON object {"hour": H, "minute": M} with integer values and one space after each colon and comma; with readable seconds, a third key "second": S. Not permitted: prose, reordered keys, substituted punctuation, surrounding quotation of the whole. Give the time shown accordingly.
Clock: {"hour": 4, "minute": 3}
